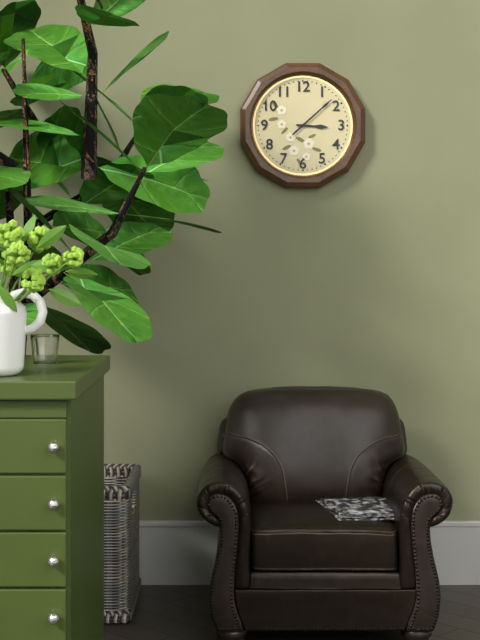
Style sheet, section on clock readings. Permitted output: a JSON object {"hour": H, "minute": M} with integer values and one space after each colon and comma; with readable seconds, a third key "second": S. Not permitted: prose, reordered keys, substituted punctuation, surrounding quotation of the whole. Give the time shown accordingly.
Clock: {"hour": 3, "minute": 8}
